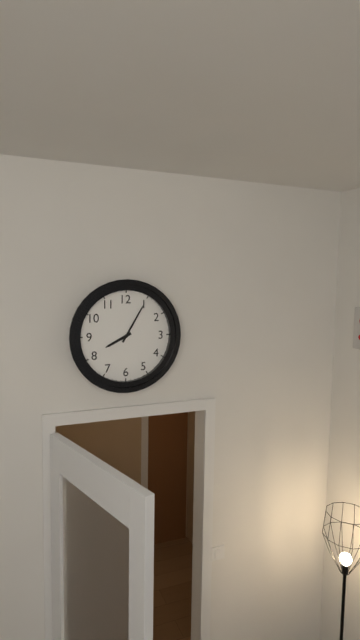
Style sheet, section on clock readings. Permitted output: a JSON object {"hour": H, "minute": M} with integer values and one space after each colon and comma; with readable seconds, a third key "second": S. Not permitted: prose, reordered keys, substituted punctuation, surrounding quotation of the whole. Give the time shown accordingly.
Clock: {"hour": 8, "minute": 5}
